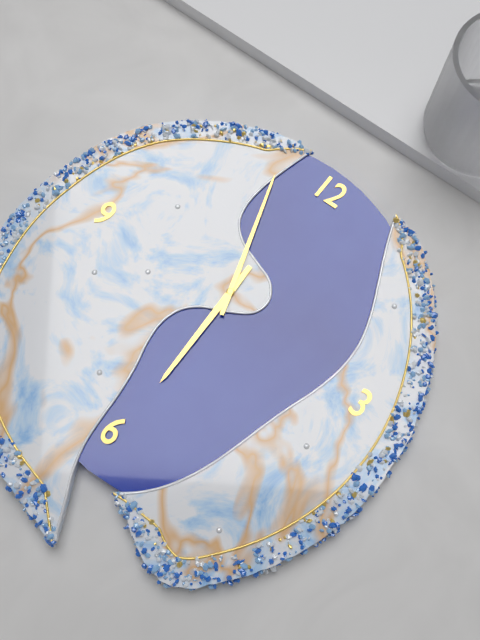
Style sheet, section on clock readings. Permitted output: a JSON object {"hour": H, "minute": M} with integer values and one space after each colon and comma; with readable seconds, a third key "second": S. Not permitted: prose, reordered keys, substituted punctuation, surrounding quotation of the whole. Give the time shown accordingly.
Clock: {"hour": 5, "minute": 57}
